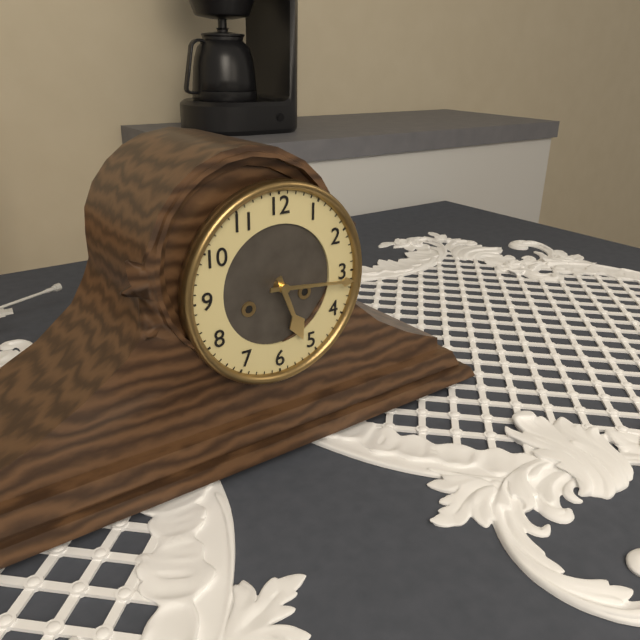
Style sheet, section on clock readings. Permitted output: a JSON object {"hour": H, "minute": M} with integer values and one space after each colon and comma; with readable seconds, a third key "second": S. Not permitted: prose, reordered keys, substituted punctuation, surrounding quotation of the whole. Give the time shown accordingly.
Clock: {"hour": 5, "minute": 16}
